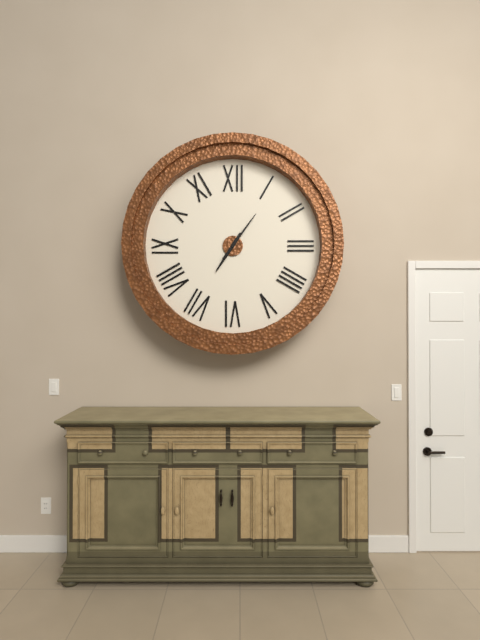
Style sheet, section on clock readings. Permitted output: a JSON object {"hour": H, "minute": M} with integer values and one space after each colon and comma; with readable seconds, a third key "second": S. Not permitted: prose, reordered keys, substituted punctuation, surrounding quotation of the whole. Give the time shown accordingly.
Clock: {"hour": 7, "minute": 6}
